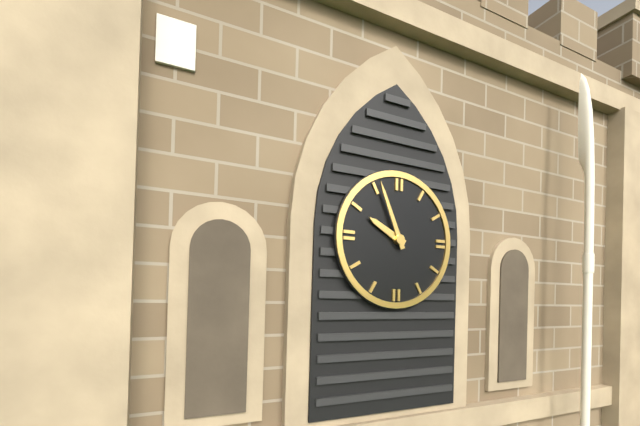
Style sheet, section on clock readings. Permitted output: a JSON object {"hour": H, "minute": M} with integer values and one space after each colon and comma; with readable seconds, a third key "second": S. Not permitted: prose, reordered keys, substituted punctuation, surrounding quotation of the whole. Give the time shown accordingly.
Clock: {"hour": 9, "minute": 56}
